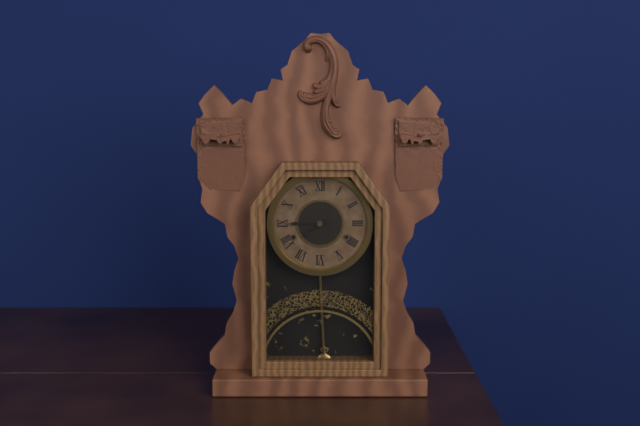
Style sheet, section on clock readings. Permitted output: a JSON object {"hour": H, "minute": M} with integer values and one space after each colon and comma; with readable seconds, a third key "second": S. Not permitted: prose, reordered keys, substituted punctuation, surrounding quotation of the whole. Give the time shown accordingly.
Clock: {"hour": 7, "minute": 45}
